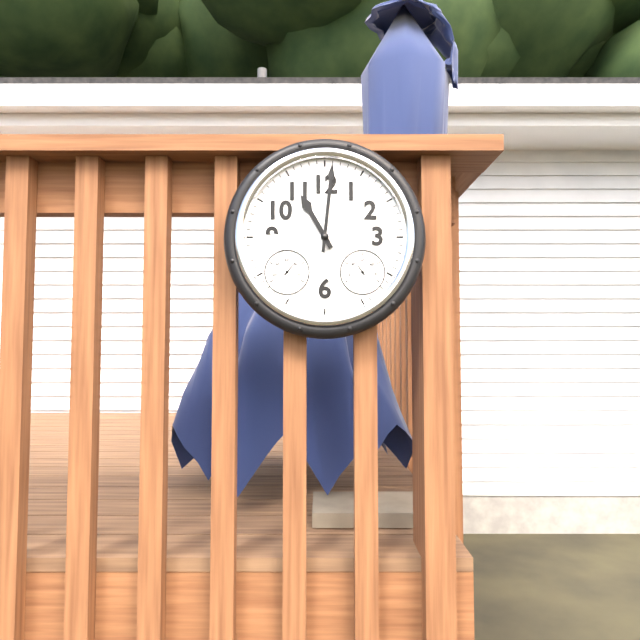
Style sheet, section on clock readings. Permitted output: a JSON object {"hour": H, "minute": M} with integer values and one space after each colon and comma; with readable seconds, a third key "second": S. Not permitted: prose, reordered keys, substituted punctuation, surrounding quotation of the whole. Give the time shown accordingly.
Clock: {"hour": 11, "minute": 1}
